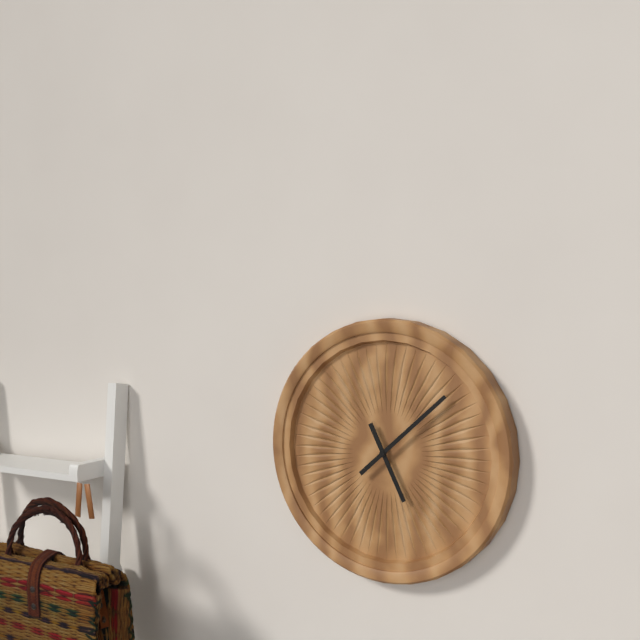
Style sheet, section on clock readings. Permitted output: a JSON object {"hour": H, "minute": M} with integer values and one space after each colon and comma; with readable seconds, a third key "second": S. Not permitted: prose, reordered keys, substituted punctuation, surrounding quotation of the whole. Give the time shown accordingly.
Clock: {"hour": 5, "minute": 8}
